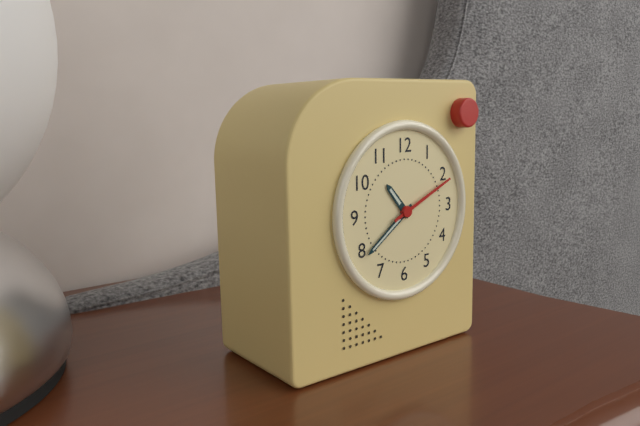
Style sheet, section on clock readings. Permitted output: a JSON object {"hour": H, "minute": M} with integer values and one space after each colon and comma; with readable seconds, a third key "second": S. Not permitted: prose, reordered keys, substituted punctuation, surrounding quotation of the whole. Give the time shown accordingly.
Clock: {"hour": 10, "minute": 39, "second": 11}
